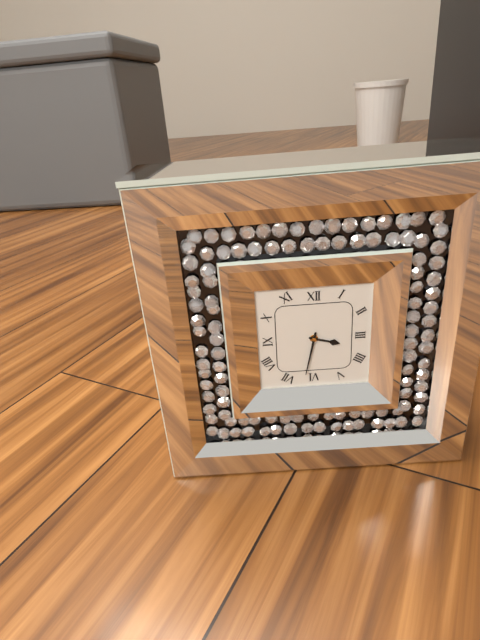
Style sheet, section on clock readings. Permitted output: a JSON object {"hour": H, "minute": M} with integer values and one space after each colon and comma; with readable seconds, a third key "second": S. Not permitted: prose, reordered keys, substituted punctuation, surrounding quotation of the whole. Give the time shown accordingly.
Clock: {"hour": 3, "minute": 32}
